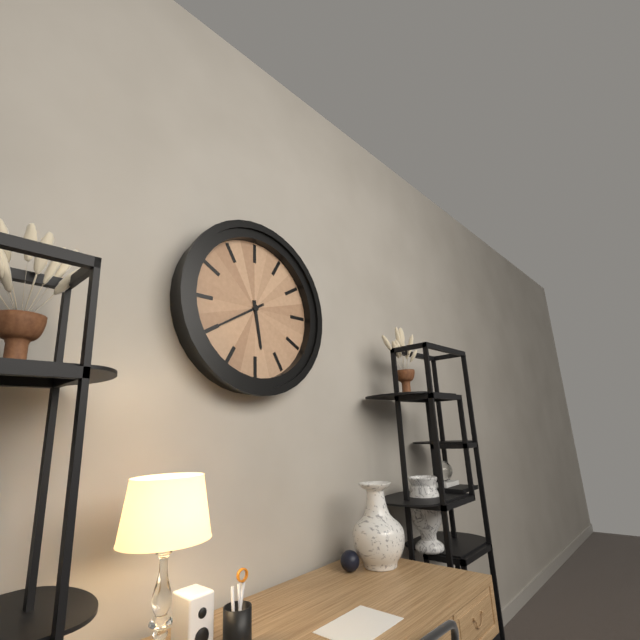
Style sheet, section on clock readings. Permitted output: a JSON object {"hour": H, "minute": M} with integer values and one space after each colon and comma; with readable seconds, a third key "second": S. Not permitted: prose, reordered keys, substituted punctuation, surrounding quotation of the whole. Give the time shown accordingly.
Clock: {"hour": 5, "minute": 40}
